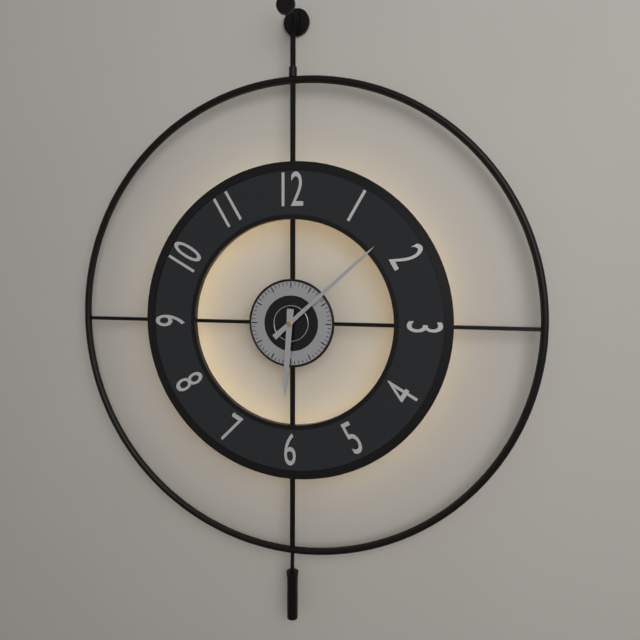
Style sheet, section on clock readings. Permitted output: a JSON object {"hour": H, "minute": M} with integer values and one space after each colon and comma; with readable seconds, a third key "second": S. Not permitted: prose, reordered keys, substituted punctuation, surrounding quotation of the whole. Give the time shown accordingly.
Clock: {"hour": 6, "minute": 8}
